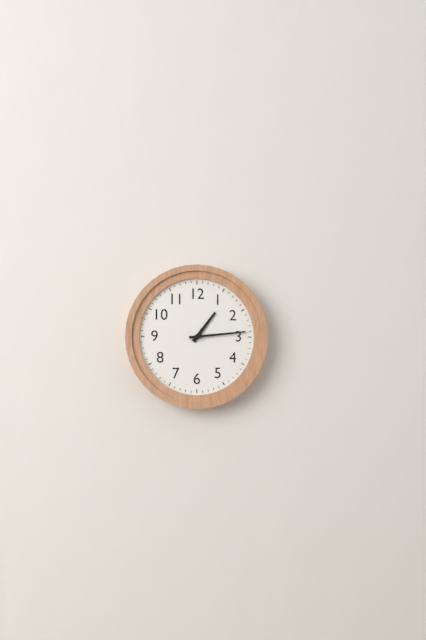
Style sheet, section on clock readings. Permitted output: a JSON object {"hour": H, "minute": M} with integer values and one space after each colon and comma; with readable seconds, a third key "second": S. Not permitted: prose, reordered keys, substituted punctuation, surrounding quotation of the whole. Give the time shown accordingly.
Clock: {"hour": 1, "minute": 14}
